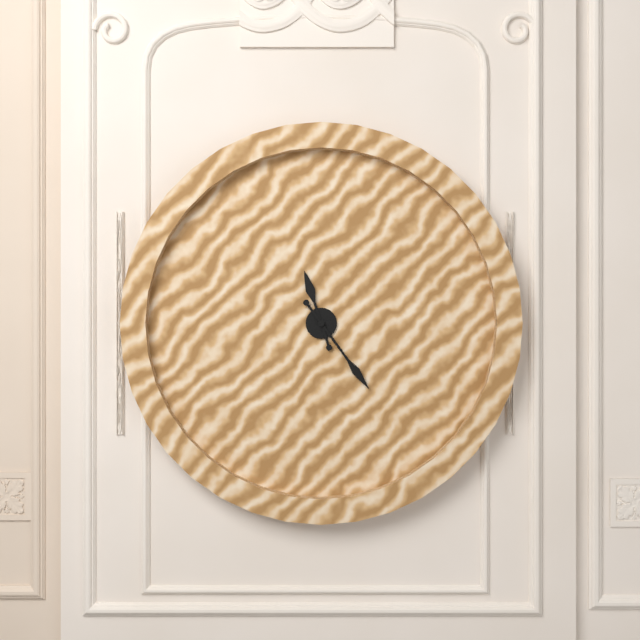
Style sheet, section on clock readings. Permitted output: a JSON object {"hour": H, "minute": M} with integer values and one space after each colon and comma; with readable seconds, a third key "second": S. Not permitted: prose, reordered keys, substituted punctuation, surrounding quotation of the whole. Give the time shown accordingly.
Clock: {"hour": 11, "minute": 24}
